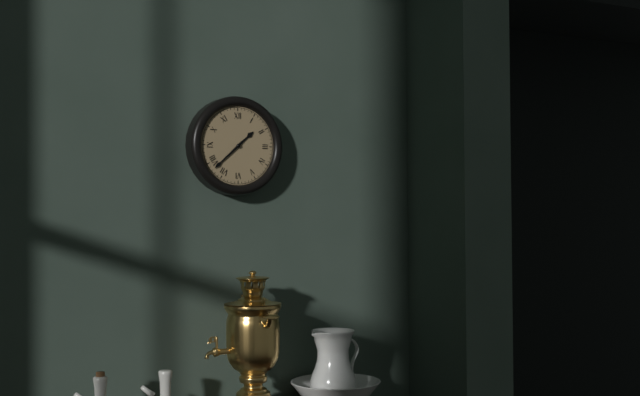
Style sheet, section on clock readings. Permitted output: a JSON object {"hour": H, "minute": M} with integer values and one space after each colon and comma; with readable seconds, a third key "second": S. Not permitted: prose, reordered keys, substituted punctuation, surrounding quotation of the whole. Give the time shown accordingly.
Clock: {"hour": 1, "minute": 38}
